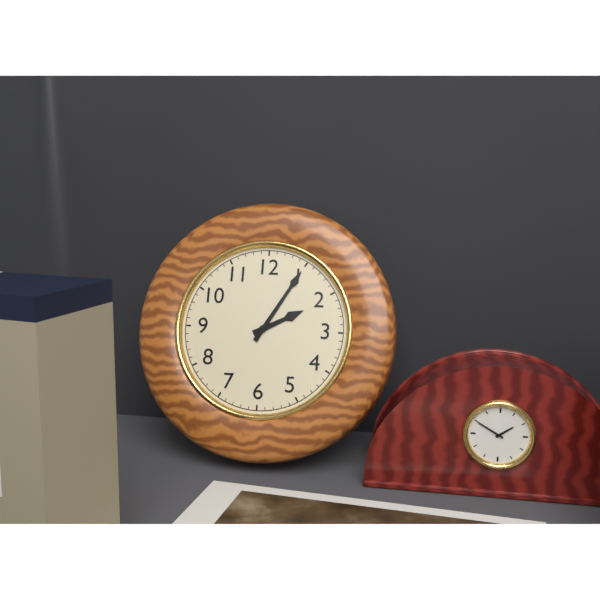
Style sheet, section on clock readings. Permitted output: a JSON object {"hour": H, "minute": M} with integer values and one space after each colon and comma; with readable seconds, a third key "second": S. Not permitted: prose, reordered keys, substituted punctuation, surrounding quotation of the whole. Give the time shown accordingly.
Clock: {"hour": 2, "minute": 5}
